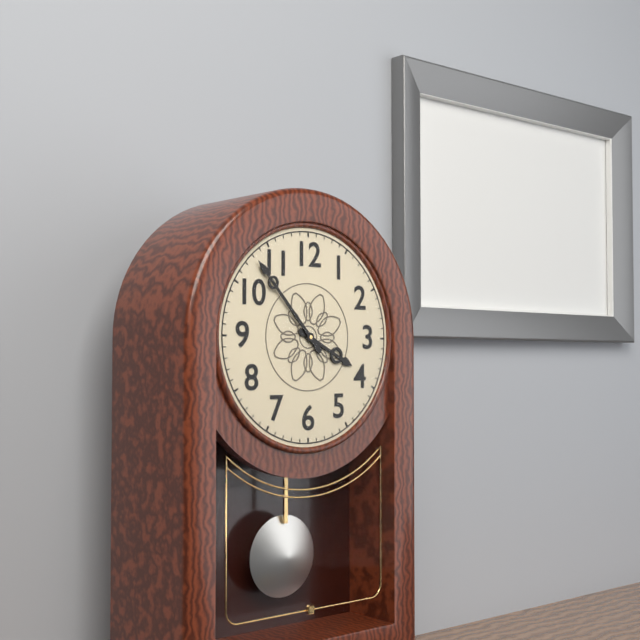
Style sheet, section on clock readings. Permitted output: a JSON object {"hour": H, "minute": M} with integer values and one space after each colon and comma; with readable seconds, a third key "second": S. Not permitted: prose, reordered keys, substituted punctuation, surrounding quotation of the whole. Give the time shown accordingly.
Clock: {"hour": 3, "minute": 53}
